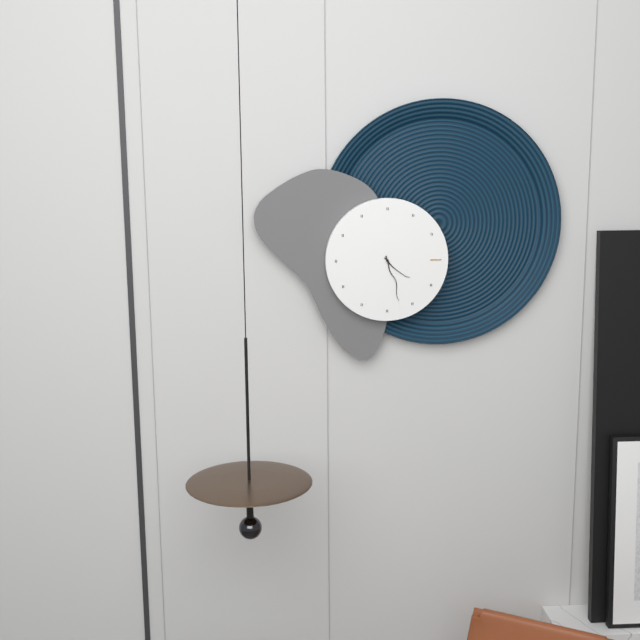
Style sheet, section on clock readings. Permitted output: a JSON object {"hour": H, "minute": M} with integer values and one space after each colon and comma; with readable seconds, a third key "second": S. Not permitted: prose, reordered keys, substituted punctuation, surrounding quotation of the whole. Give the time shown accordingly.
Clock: {"hour": 4, "minute": 27}
